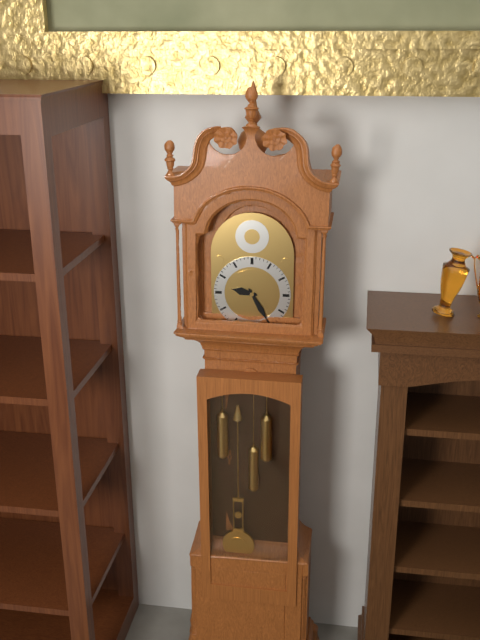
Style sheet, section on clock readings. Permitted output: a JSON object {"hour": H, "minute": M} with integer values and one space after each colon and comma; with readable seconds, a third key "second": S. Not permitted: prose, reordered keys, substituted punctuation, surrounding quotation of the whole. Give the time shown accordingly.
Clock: {"hour": 9, "minute": 25}
